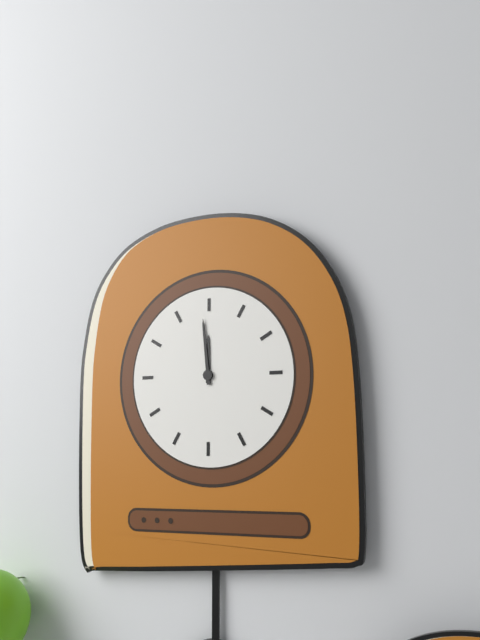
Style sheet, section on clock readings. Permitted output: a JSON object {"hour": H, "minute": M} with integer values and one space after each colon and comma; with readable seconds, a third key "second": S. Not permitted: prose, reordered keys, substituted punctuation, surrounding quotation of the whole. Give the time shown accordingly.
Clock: {"hour": 11, "minute": 59}
